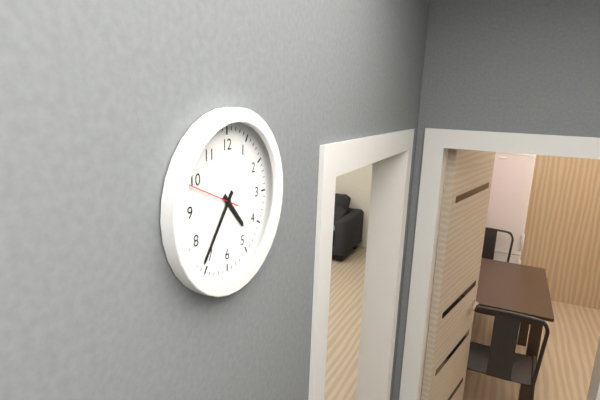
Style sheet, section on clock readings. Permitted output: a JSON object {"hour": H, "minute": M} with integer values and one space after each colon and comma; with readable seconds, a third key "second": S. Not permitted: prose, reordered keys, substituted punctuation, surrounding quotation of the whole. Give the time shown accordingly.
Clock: {"hour": 4, "minute": 36, "second": 49}
